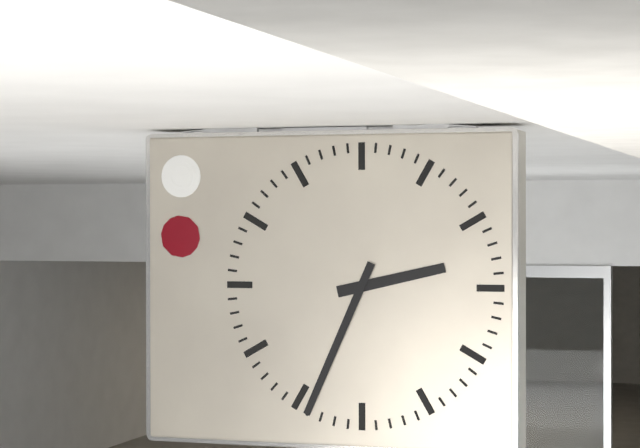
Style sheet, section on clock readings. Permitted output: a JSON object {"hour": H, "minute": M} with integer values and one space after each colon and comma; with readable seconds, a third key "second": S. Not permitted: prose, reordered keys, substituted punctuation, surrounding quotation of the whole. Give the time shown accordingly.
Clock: {"hour": 2, "minute": 34}
